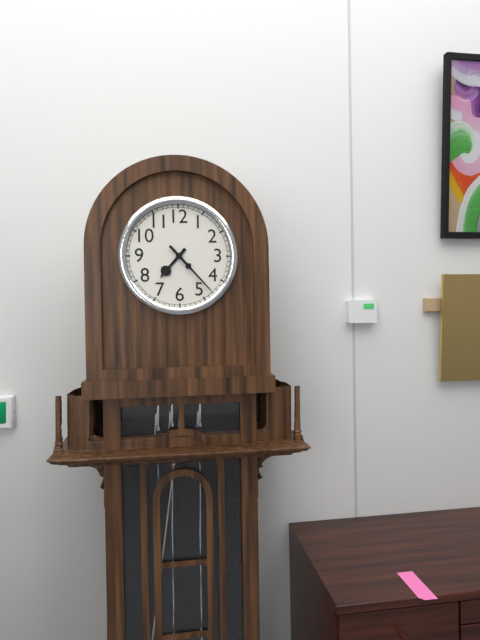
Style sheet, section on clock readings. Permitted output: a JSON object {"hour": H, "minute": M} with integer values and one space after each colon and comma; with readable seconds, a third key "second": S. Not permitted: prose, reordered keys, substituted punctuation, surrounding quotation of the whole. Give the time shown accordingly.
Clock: {"hour": 7, "minute": 23}
